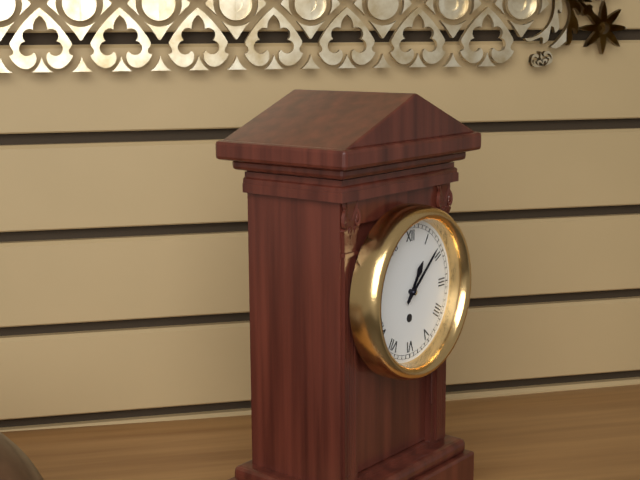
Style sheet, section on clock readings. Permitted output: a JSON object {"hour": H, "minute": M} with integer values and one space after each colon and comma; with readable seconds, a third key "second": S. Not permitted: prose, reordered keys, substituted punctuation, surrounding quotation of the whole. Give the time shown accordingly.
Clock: {"hour": 1, "minute": 8}
